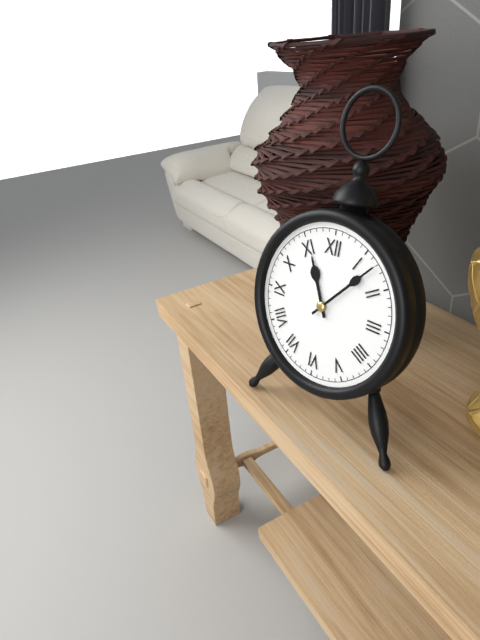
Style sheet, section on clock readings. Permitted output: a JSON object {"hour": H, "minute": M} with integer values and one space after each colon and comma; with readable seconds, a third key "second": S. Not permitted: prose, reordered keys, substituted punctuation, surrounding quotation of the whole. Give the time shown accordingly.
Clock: {"hour": 11, "minute": 7}
